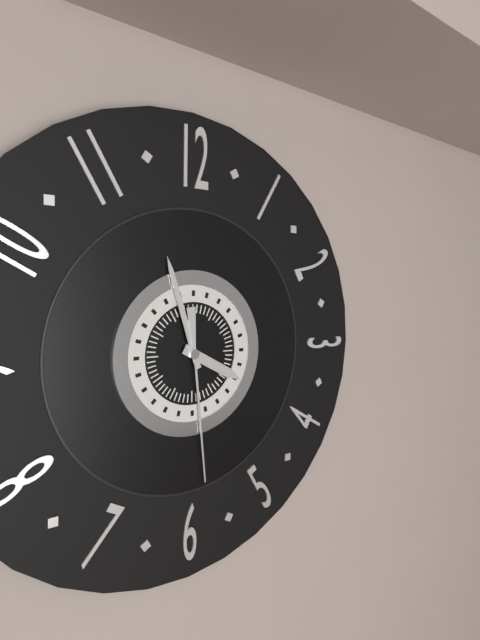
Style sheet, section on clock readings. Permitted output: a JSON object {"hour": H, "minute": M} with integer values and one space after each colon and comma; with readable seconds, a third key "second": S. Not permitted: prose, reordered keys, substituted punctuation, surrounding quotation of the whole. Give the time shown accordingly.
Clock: {"hour": 3, "minute": 57, "second": 29}
